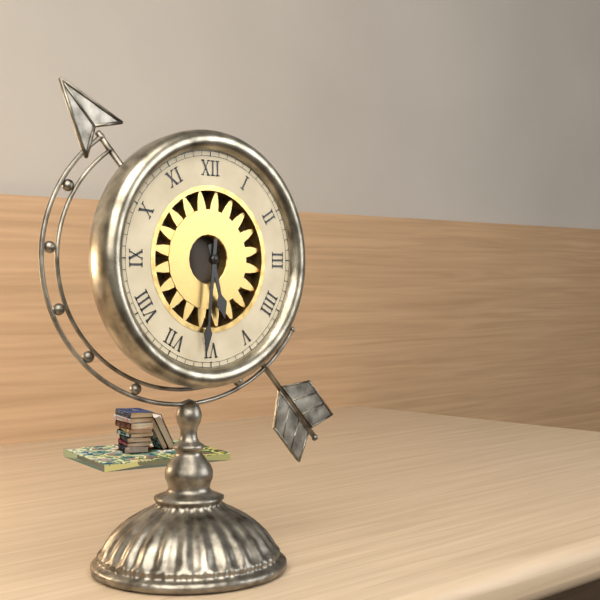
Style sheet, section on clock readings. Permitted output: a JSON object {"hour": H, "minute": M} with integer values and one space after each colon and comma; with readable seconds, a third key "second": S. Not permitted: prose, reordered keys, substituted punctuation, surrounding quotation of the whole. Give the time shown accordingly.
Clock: {"hour": 5, "minute": 31}
